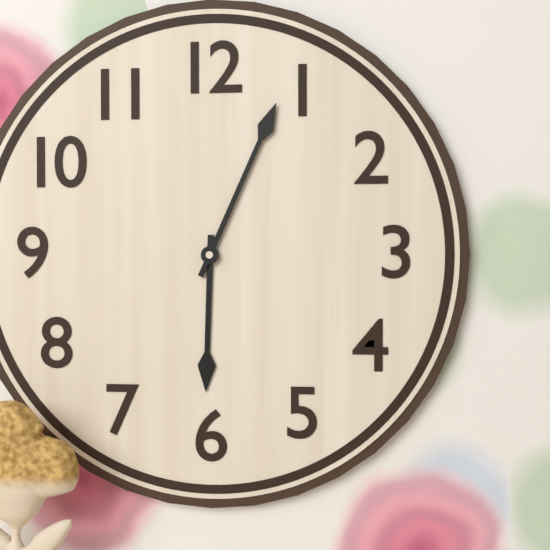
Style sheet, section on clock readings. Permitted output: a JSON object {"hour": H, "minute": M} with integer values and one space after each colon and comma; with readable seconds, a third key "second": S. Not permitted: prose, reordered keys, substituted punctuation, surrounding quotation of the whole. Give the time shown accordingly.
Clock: {"hour": 6, "minute": 4}
